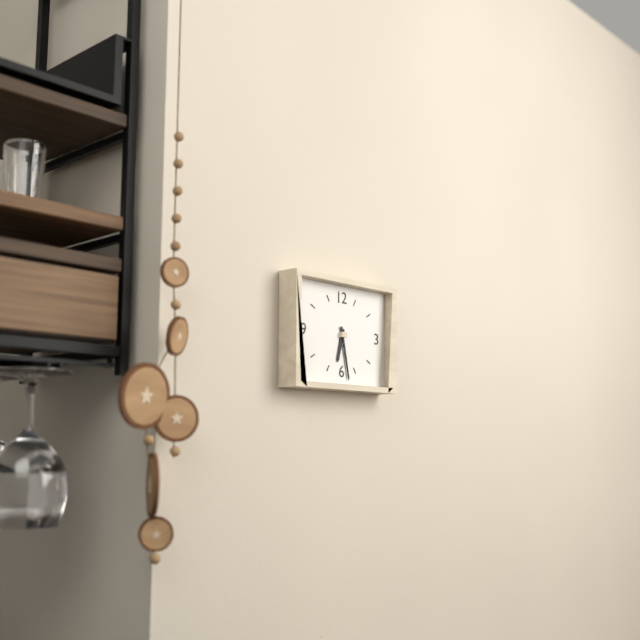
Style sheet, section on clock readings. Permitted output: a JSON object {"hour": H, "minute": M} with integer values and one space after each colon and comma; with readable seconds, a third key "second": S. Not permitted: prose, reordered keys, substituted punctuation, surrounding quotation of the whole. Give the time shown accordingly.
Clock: {"hour": 6, "minute": 28}
